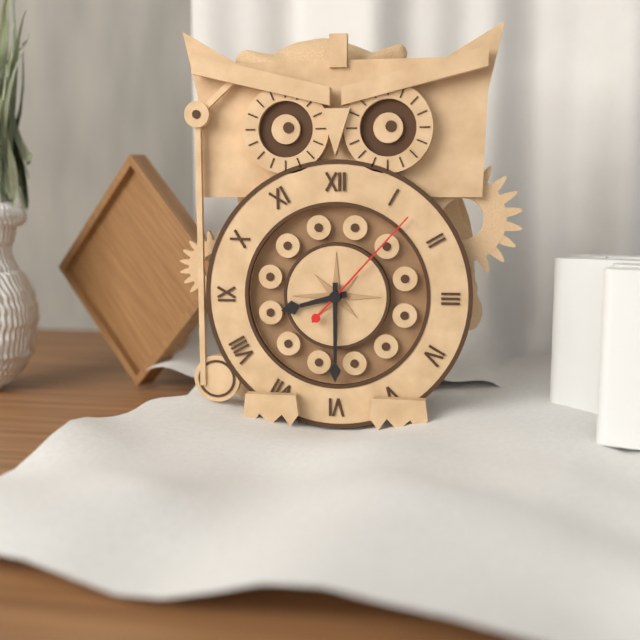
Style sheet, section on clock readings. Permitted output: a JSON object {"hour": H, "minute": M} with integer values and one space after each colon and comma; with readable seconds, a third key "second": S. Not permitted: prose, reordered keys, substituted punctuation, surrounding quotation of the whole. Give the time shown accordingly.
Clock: {"hour": 8, "minute": 30, "second": 7}
